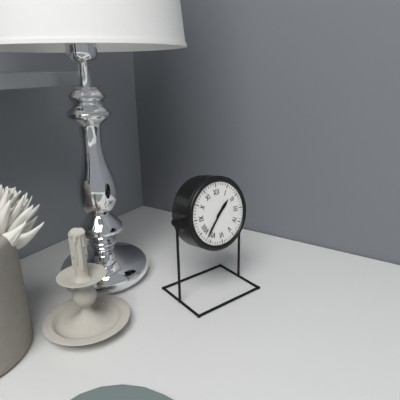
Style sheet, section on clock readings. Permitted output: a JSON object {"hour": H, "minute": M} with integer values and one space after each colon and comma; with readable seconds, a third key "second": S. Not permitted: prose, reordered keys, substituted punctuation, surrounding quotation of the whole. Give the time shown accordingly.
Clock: {"hour": 1, "minute": 37}
